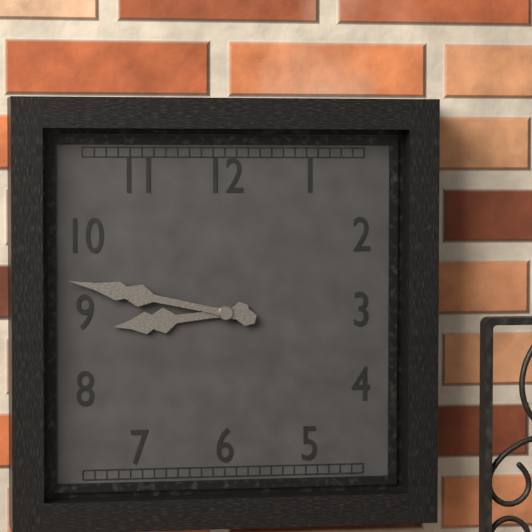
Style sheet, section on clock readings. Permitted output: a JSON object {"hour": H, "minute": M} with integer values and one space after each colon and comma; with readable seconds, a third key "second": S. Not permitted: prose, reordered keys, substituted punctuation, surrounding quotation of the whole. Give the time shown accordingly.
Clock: {"hour": 8, "minute": 47}
